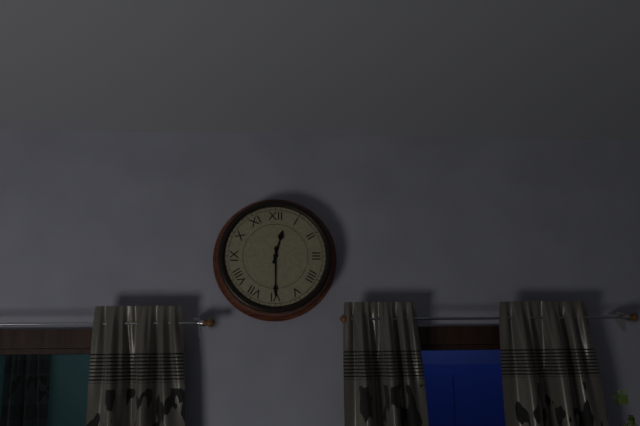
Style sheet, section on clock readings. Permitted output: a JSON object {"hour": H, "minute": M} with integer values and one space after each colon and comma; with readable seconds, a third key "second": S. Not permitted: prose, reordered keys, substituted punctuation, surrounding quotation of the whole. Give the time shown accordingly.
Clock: {"hour": 12, "minute": 30}
